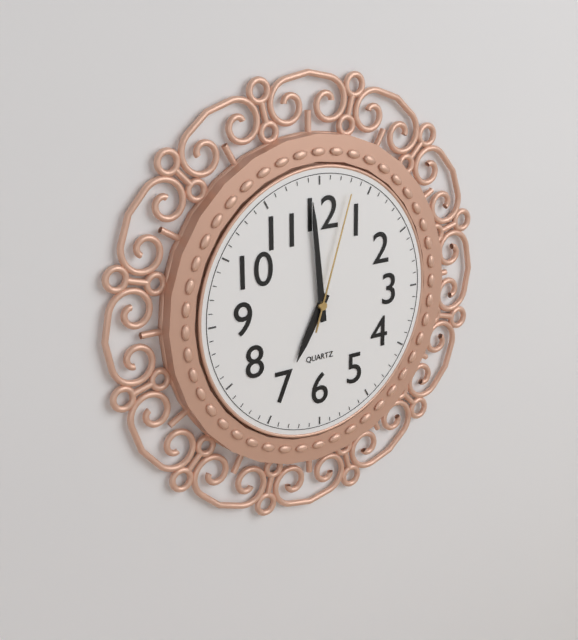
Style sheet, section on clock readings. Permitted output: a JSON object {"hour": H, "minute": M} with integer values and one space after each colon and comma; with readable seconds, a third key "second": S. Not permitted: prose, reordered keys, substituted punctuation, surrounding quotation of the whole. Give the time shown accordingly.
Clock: {"hour": 6, "minute": 59, "second": 3}
